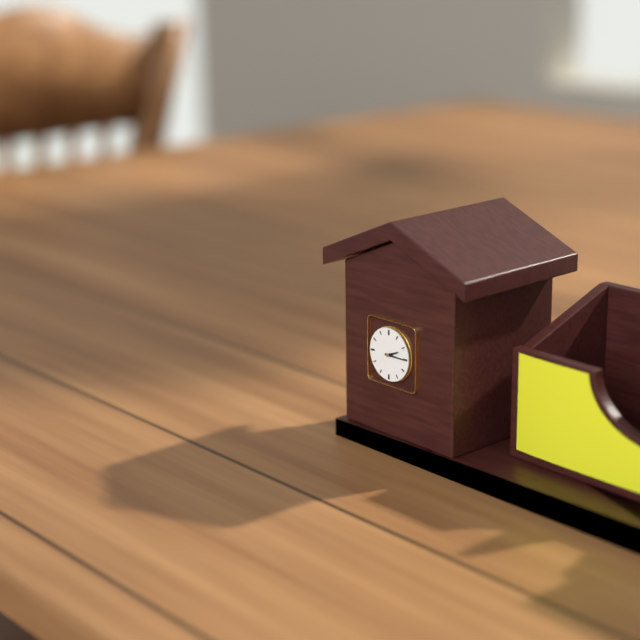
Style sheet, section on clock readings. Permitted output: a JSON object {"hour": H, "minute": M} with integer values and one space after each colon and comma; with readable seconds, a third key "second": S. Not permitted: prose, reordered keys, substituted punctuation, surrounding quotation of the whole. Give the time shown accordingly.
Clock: {"hour": 2, "minute": 15}
